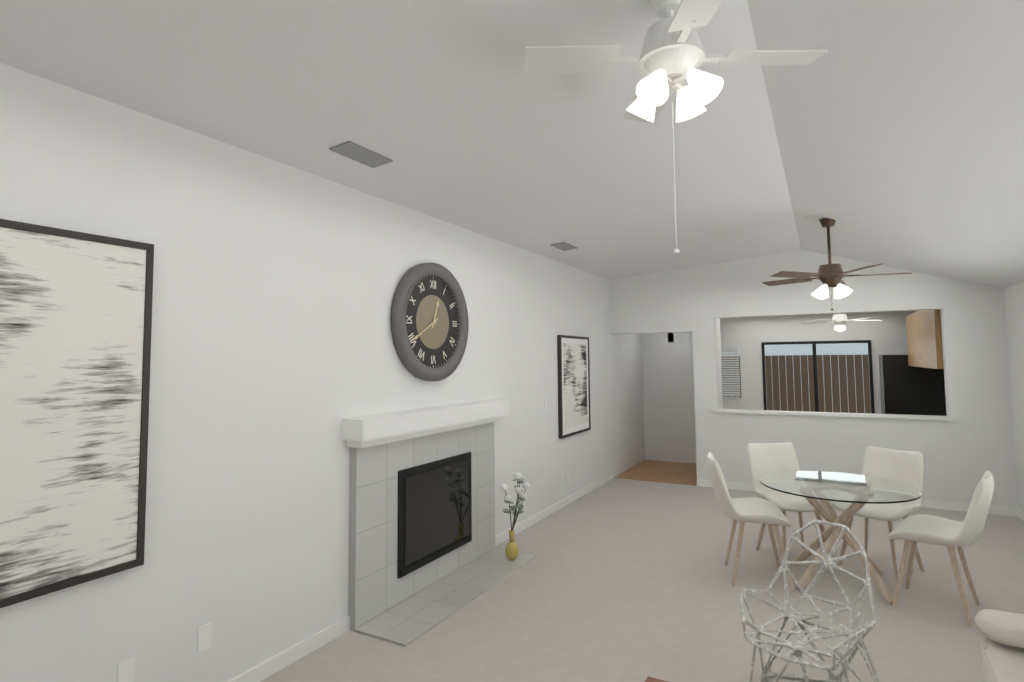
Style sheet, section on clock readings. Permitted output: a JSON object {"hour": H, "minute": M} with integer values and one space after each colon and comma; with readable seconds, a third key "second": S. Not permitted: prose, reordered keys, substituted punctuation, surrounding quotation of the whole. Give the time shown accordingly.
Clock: {"hour": 12, "minute": 40}
